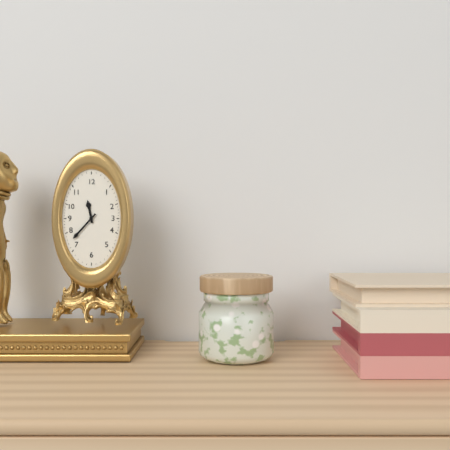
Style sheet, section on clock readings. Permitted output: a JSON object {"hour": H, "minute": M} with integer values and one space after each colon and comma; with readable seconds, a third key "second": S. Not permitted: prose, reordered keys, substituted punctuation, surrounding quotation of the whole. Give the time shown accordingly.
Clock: {"hour": 11, "minute": 37}
